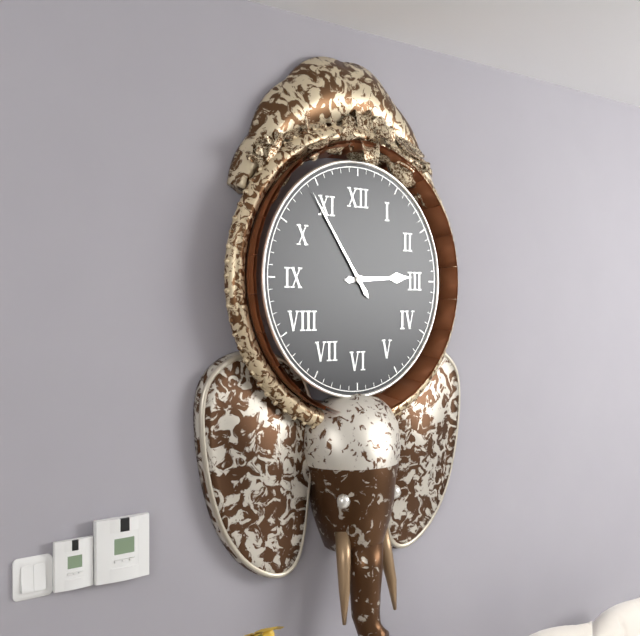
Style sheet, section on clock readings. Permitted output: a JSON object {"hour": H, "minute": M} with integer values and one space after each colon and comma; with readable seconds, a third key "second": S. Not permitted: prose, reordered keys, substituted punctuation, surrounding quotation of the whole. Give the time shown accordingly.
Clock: {"hour": 2, "minute": 54}
